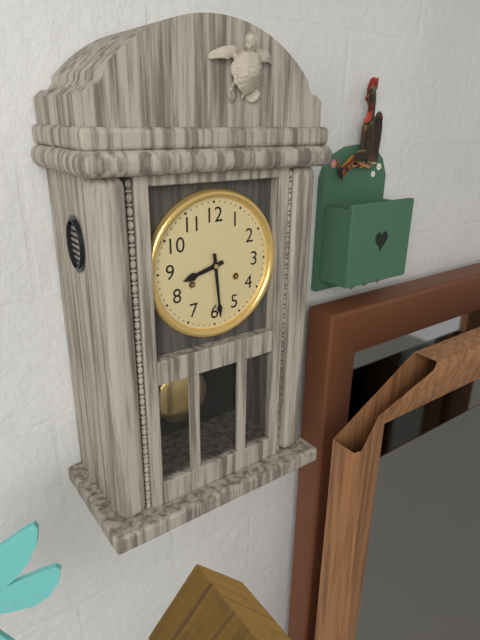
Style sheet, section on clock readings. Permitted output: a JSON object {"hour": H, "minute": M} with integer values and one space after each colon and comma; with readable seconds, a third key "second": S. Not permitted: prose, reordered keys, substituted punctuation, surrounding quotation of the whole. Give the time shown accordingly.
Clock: {"hour": 8, "minute": 29}
